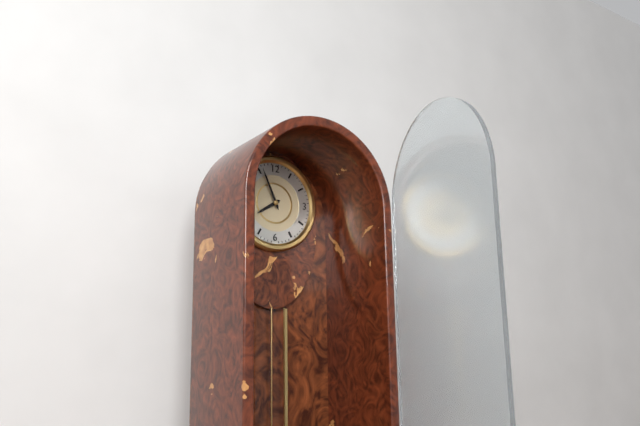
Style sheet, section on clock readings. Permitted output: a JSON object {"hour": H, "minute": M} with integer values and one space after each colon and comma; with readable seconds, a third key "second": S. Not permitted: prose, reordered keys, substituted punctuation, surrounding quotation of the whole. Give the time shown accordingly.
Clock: {"hour": 7, "minute": 56}
